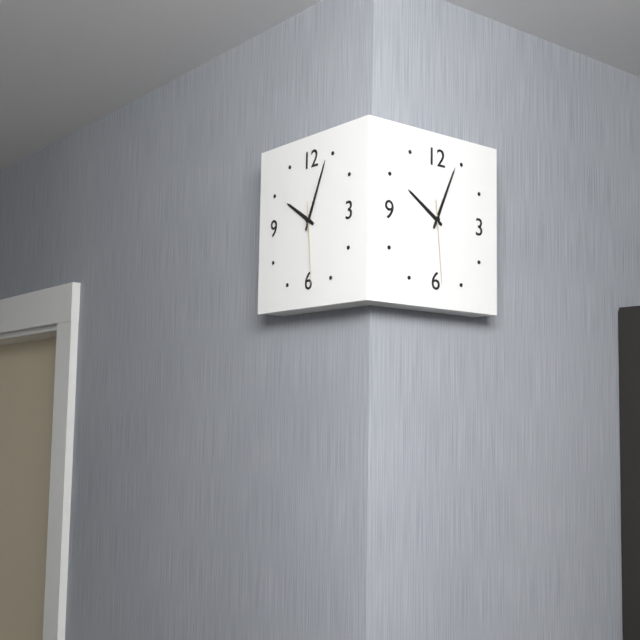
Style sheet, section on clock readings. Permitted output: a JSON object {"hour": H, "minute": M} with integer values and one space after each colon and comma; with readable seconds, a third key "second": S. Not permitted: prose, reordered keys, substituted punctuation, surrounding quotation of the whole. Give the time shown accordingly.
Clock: {"hour": 10, "minute": 4, "second": 29}
